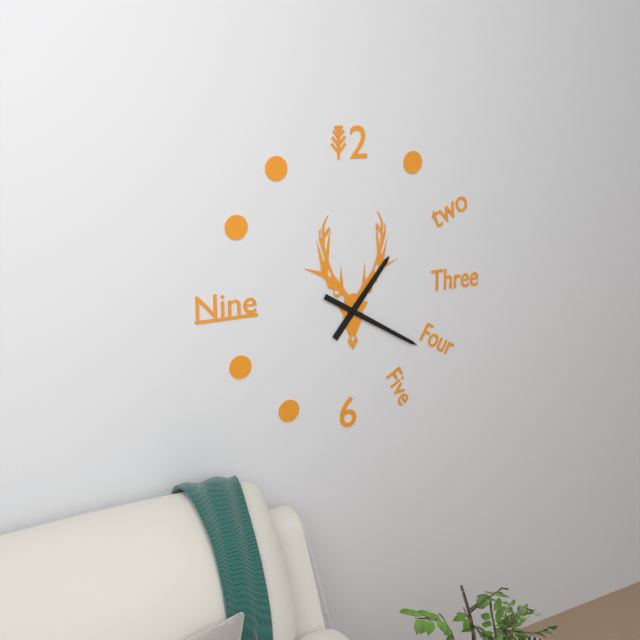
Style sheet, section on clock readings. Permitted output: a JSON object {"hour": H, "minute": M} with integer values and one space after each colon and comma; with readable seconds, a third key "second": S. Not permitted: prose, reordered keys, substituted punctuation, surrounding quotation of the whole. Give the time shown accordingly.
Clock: {"hour": 1, "minute": 20}
